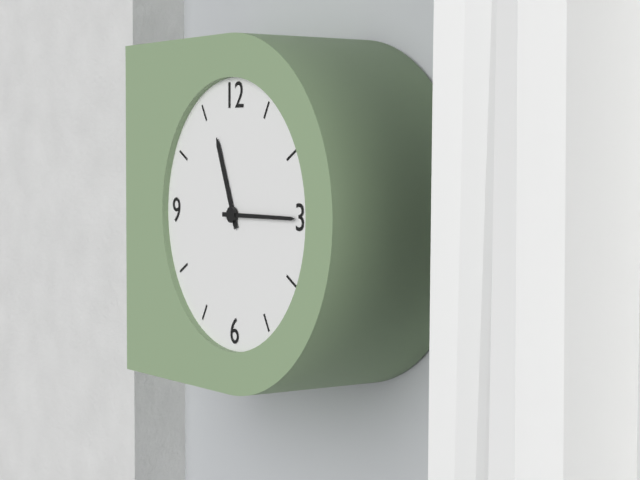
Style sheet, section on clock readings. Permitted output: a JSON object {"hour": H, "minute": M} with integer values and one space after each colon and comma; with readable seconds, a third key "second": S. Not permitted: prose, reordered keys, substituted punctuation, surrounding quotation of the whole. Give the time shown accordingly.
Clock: {"hour": 11, "minute": 15}
